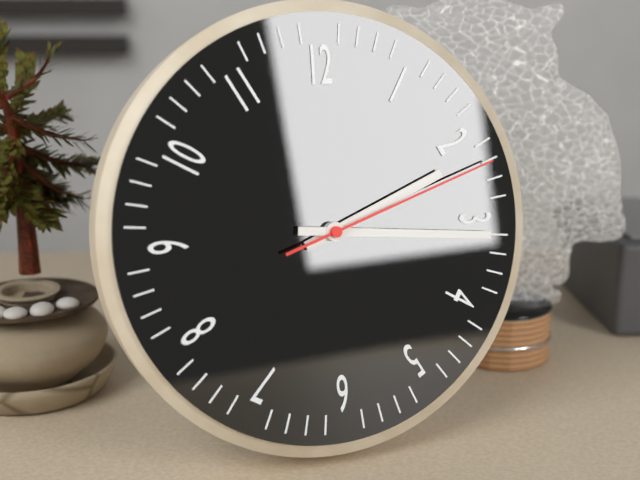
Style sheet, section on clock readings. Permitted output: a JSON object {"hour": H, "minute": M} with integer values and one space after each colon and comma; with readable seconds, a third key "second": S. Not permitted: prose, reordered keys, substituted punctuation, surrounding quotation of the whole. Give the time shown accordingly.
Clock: {"hour": 2, "minute": 16, "second": 12}
